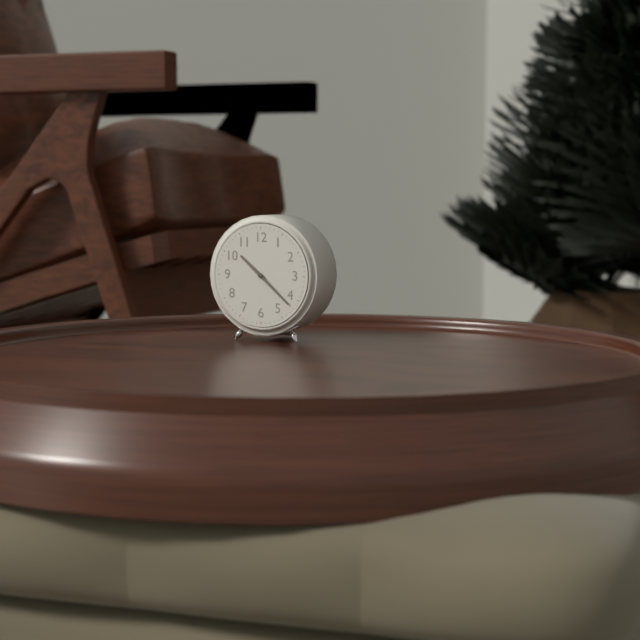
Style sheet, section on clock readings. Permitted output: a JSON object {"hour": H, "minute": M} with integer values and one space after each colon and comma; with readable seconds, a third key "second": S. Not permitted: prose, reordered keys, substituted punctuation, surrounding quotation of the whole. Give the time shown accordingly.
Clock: {"hour": 10, "minute": 22}
